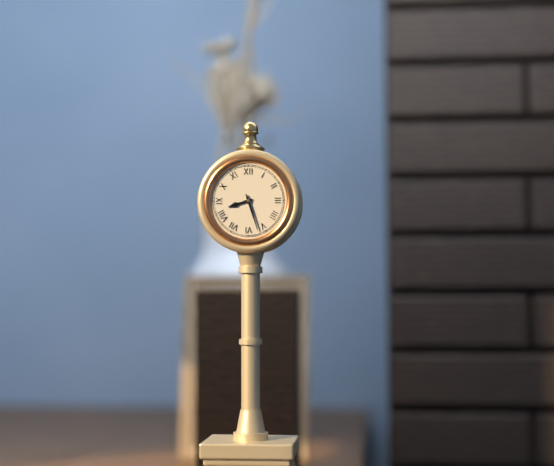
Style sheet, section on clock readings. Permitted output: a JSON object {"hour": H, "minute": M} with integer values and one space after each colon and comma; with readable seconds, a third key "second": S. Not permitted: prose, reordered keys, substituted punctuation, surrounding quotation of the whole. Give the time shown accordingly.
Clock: {"hour": 8, "minute": 27}
